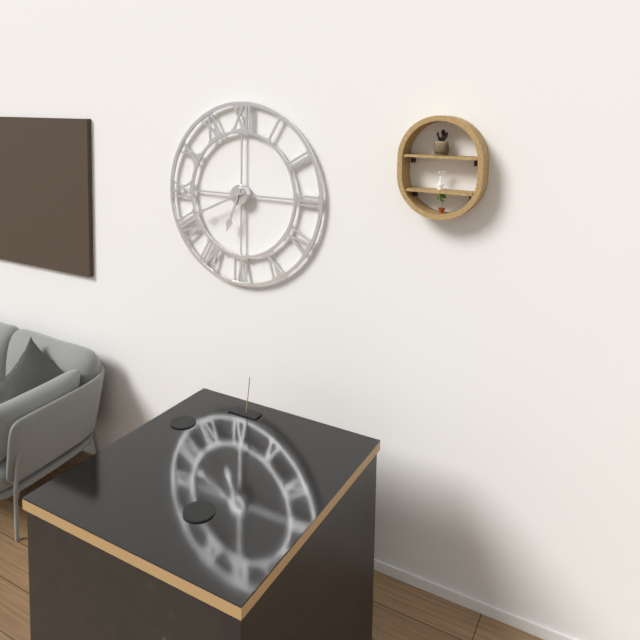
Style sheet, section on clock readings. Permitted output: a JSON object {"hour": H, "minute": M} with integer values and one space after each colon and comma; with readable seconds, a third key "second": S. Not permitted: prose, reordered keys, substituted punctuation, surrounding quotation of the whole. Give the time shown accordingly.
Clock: {"hour": 6, "minute": 41}
